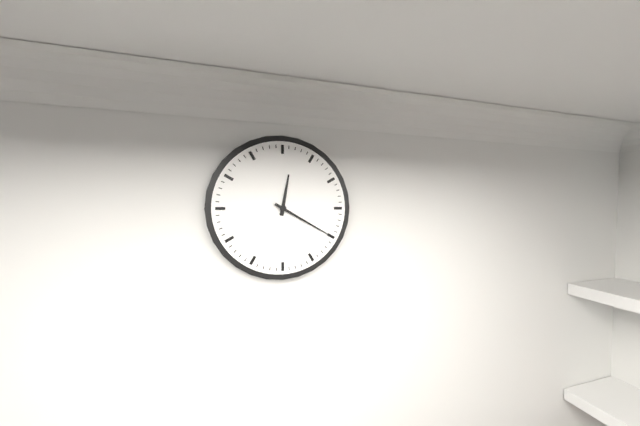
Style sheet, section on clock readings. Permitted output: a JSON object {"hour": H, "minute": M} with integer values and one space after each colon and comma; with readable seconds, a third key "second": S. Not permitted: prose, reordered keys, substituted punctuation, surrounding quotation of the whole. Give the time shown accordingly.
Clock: {"hour": 12, "minute": 20}
